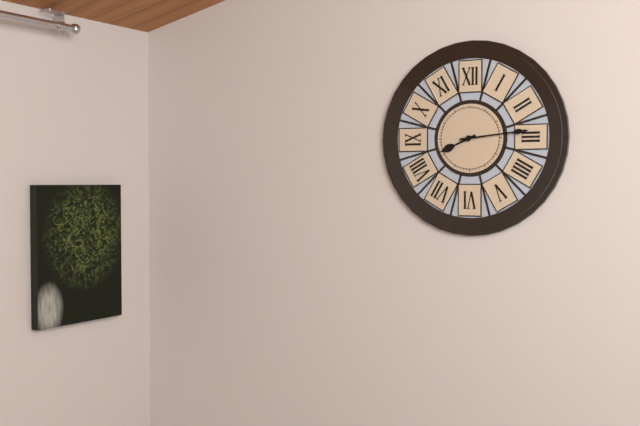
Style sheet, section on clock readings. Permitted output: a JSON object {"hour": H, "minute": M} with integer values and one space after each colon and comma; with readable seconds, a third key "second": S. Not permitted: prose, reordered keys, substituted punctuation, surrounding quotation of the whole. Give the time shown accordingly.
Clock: {"hour": 8, "minute": 14}
